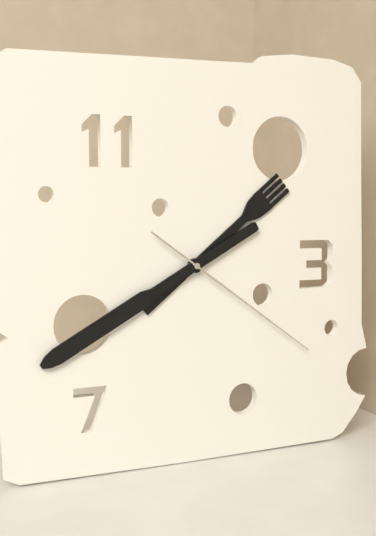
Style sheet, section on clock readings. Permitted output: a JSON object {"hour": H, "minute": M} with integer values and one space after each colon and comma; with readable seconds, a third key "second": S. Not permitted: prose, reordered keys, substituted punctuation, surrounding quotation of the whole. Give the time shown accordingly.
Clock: {"hour": 1, "minute": 40, "second": 21}
